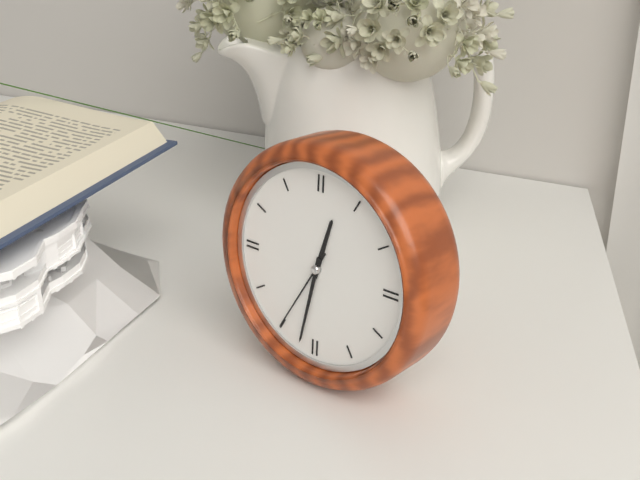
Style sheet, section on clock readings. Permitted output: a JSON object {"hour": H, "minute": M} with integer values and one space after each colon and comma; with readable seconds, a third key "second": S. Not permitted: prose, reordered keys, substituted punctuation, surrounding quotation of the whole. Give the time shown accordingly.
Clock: {"hour": 12, "minute": 32, "second": 35}
